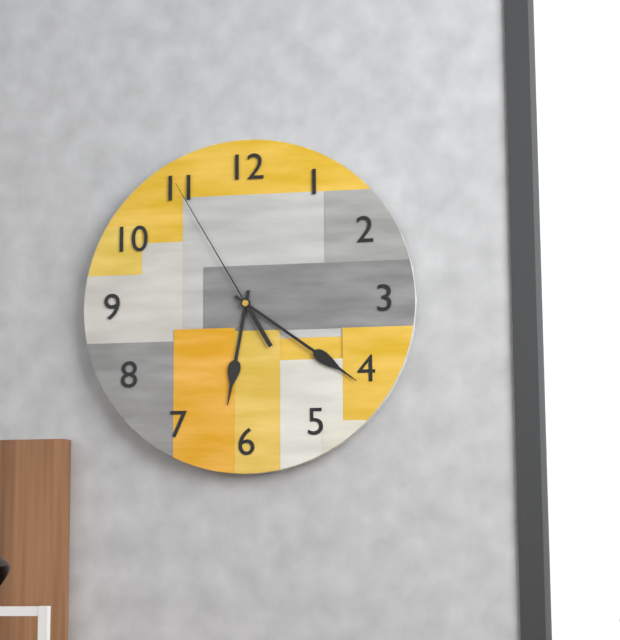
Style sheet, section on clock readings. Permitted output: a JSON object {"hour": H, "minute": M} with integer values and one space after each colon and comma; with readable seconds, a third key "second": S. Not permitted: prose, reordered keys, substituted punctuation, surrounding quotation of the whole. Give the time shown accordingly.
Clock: {"hour": 6, "minute": 21, "second": 55}
